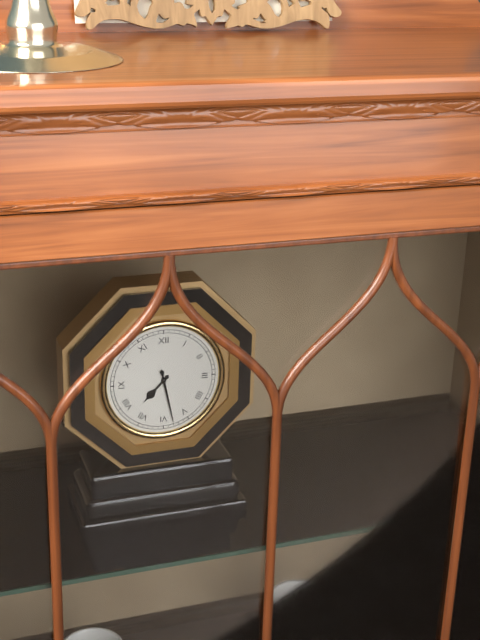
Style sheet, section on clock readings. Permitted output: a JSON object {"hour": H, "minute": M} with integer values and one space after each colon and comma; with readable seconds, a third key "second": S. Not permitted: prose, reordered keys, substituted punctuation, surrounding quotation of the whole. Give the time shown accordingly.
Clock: {"hour": 7, "minute": 28}
